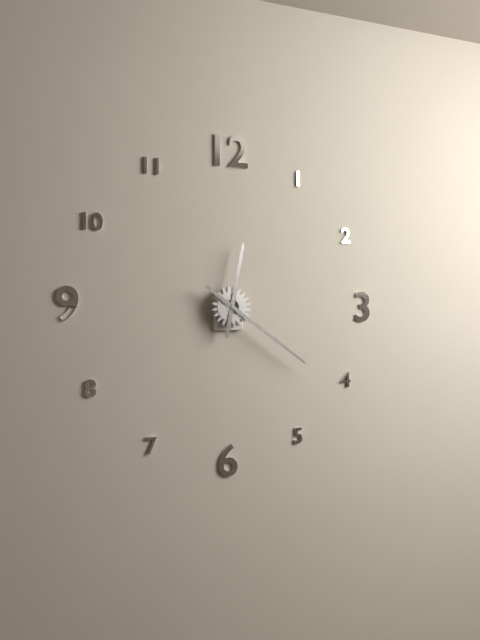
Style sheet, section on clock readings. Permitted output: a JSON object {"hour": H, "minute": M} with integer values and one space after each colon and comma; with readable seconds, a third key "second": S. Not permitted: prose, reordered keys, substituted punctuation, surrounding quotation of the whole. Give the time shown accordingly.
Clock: {"hour": 12, "minute": 21}
